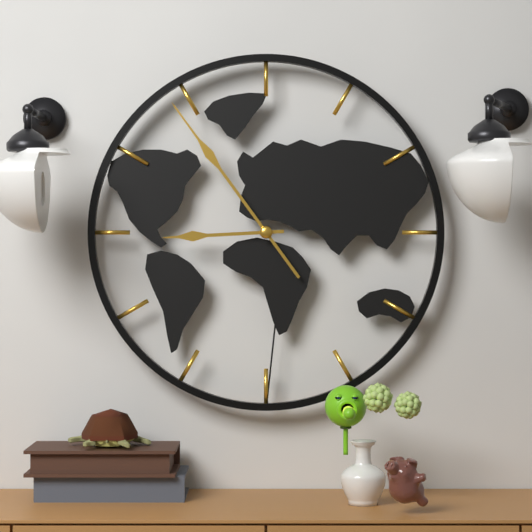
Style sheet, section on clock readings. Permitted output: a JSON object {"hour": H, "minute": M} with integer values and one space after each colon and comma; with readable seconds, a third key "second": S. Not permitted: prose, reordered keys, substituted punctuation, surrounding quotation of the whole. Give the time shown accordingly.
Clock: {"hour": 8, "minute": 54}
